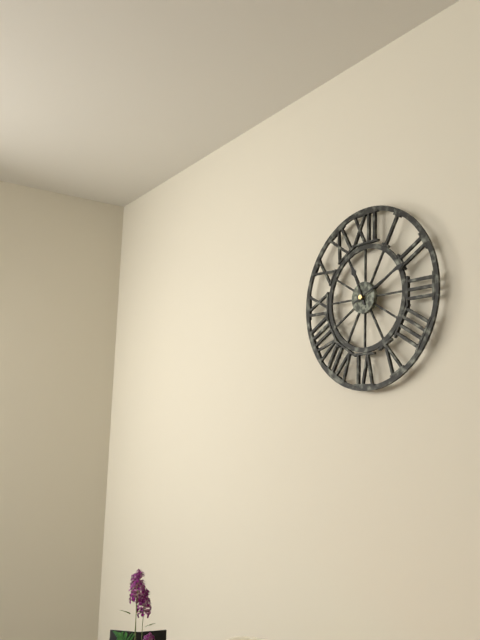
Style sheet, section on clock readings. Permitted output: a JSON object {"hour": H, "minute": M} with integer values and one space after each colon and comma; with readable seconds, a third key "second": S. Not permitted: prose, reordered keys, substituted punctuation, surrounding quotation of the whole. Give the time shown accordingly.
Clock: {"hour": 11, "minute": 11}
